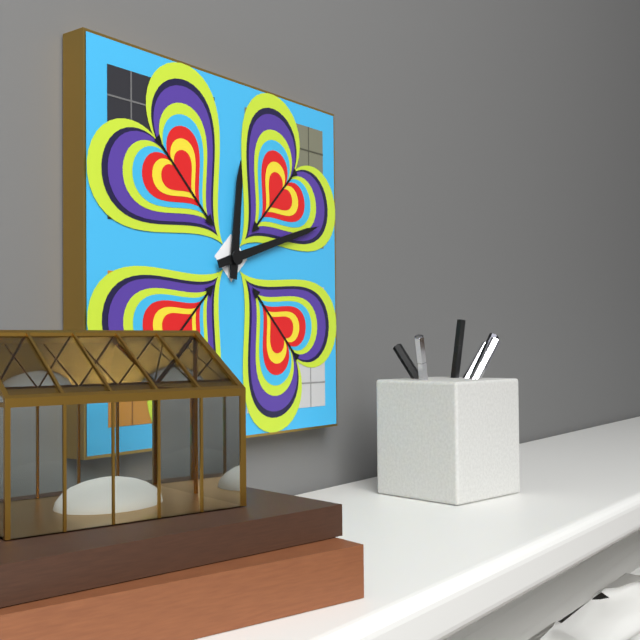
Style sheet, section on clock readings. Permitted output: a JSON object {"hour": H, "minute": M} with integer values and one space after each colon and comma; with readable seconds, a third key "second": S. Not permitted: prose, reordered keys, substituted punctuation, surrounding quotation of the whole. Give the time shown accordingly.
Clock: {"hour": 12, "minute": 12}
